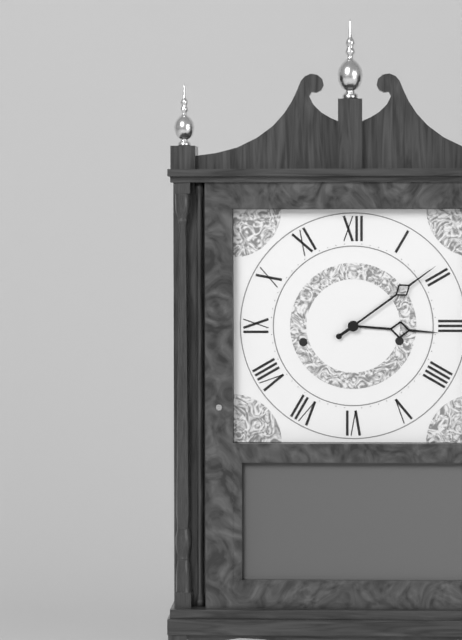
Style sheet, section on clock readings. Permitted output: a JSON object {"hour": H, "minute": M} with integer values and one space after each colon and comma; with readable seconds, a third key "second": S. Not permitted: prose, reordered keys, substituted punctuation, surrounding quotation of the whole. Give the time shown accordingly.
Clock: {"hour": 3, "minute": 9}
